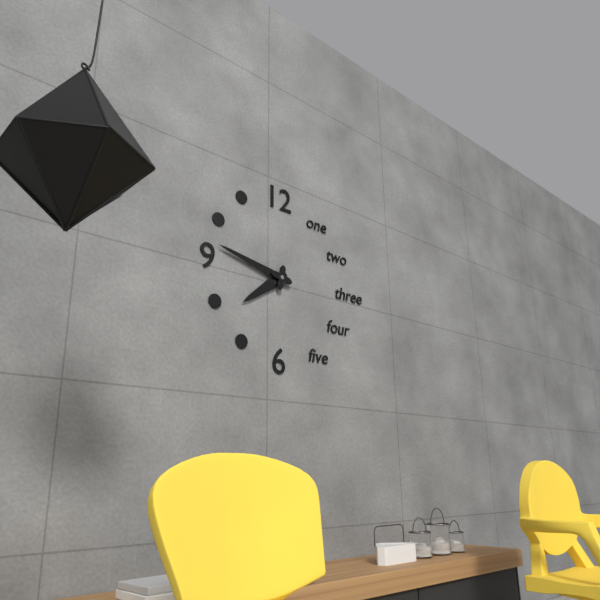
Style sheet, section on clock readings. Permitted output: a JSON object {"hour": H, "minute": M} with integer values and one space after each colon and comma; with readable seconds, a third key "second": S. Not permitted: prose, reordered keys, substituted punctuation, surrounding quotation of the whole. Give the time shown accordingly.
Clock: {"hour": 7, "minute": 47}
